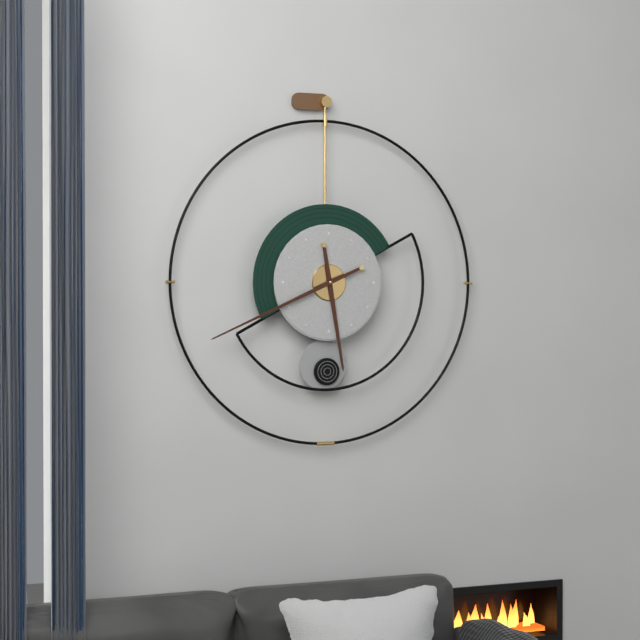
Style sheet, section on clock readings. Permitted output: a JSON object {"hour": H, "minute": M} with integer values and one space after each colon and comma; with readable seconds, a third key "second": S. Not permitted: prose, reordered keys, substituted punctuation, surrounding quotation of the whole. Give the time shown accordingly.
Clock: {"hour": 5, "minute": 41}
